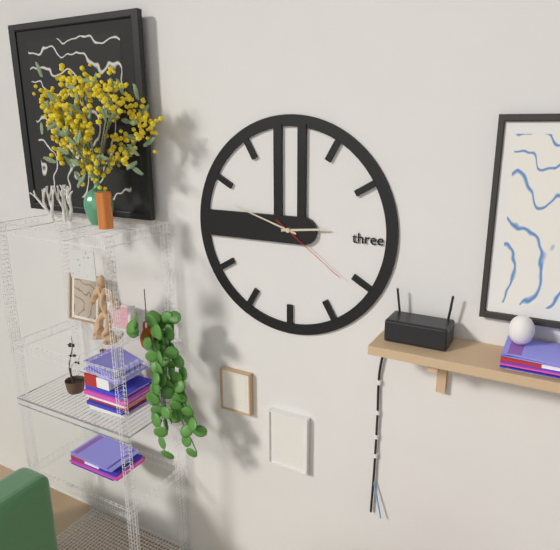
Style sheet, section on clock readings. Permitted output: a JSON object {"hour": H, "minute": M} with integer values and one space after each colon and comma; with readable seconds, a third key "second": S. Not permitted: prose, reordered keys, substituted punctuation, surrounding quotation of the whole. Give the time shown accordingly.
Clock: {"hour": 2, "minute": 48, "second": 21}
